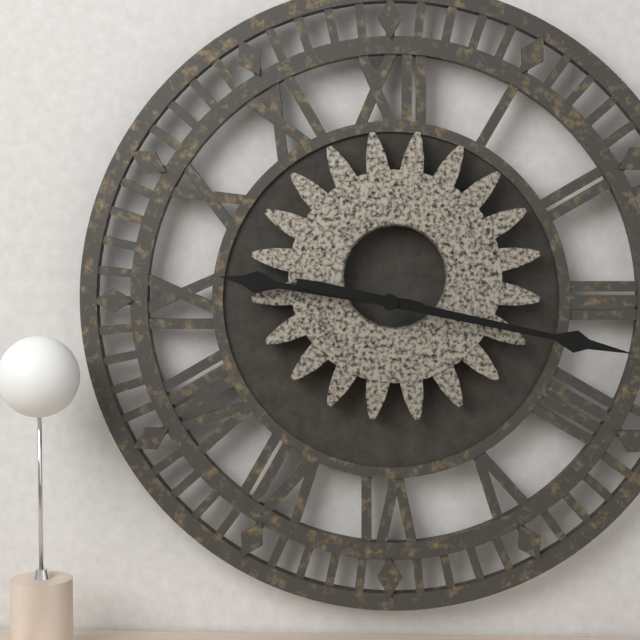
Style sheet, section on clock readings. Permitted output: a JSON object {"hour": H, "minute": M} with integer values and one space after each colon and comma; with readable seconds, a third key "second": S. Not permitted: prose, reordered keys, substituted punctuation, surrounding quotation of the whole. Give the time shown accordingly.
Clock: {"hour": 9, "minute": 17}
